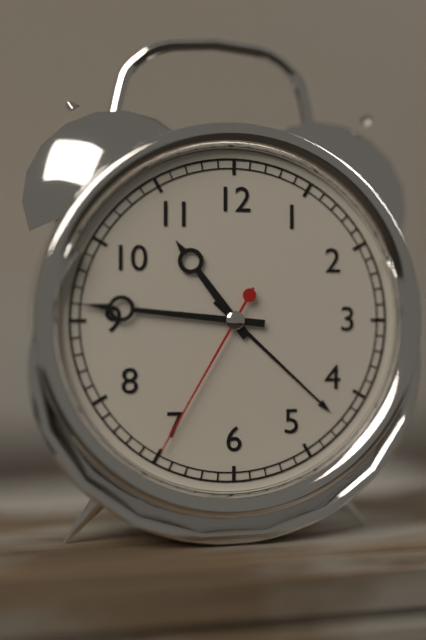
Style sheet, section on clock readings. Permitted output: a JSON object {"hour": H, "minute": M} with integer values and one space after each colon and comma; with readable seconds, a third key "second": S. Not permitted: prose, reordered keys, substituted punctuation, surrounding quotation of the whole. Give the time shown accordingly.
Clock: {"hour": 10, "minute": 46, "second": 35}
